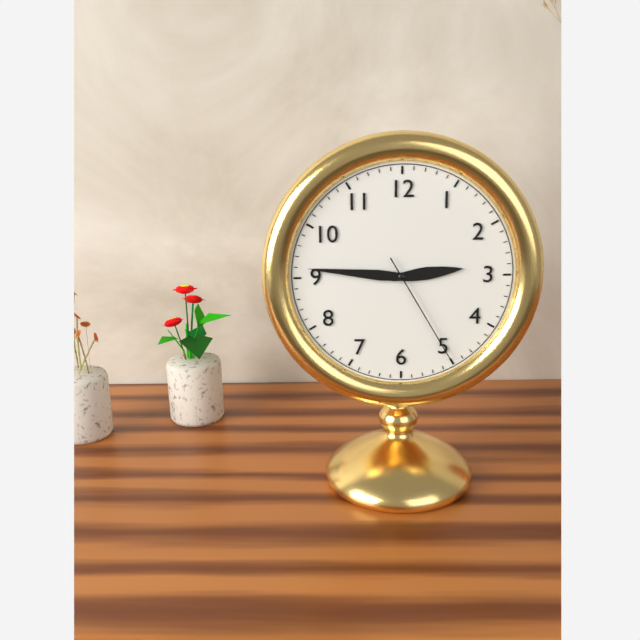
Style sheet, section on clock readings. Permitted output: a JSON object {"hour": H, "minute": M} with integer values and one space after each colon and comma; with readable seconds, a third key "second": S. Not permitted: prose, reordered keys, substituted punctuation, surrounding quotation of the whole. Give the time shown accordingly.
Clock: {"hour": 2, "minute": 46, "second": 25}
